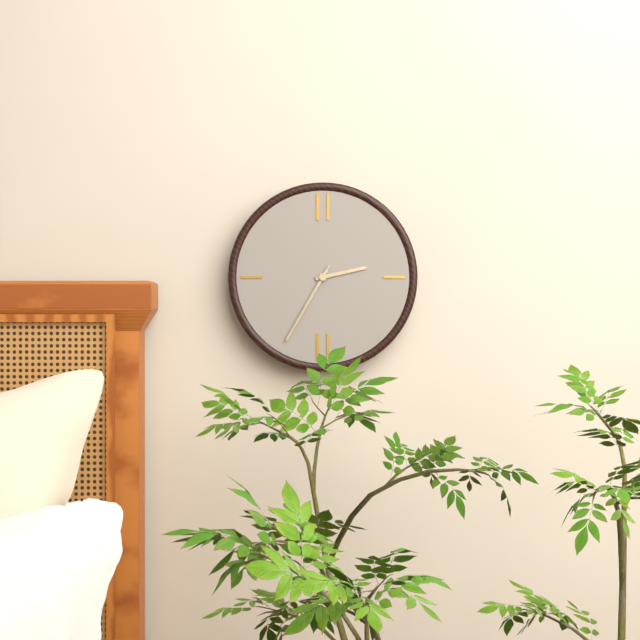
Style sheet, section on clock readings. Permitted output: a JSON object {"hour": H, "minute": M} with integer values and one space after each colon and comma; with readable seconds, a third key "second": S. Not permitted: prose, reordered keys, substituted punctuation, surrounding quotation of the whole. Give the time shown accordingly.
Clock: {"hour": 2, "minute": 35, "second": 35}
